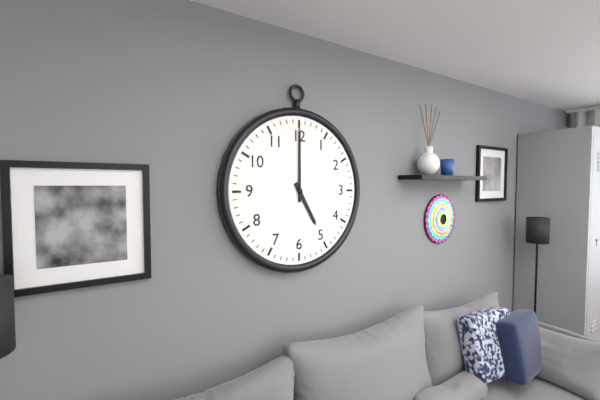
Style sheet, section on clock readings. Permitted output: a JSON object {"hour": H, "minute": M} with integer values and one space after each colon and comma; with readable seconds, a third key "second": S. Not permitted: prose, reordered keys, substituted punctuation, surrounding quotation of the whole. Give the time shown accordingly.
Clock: {"hour": 5, "minute": 0}
